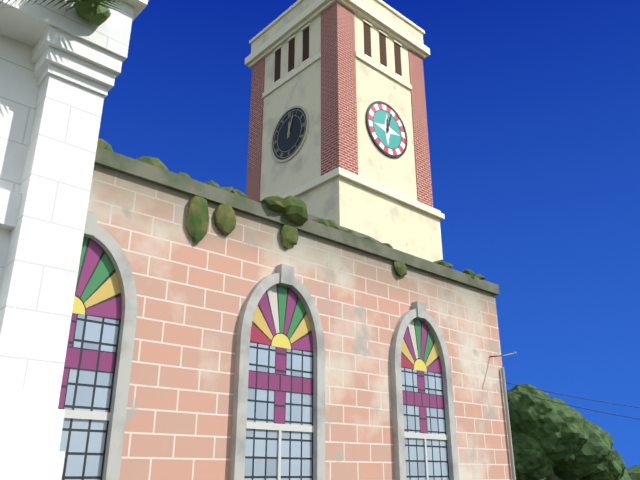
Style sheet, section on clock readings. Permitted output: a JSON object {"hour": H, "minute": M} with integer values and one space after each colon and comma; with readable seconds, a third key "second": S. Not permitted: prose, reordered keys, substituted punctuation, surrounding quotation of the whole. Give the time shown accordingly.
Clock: {"hour": 12, "minute": 3}
